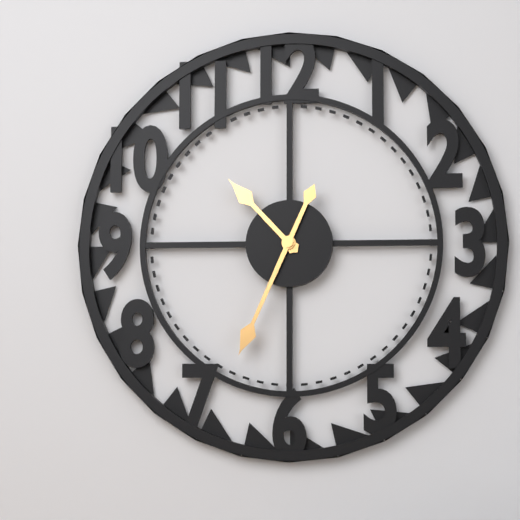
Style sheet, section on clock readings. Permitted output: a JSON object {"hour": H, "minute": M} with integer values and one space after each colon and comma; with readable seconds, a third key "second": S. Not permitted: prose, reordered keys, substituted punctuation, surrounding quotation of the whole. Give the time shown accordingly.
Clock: {"hour": 10, "minute": 34}
